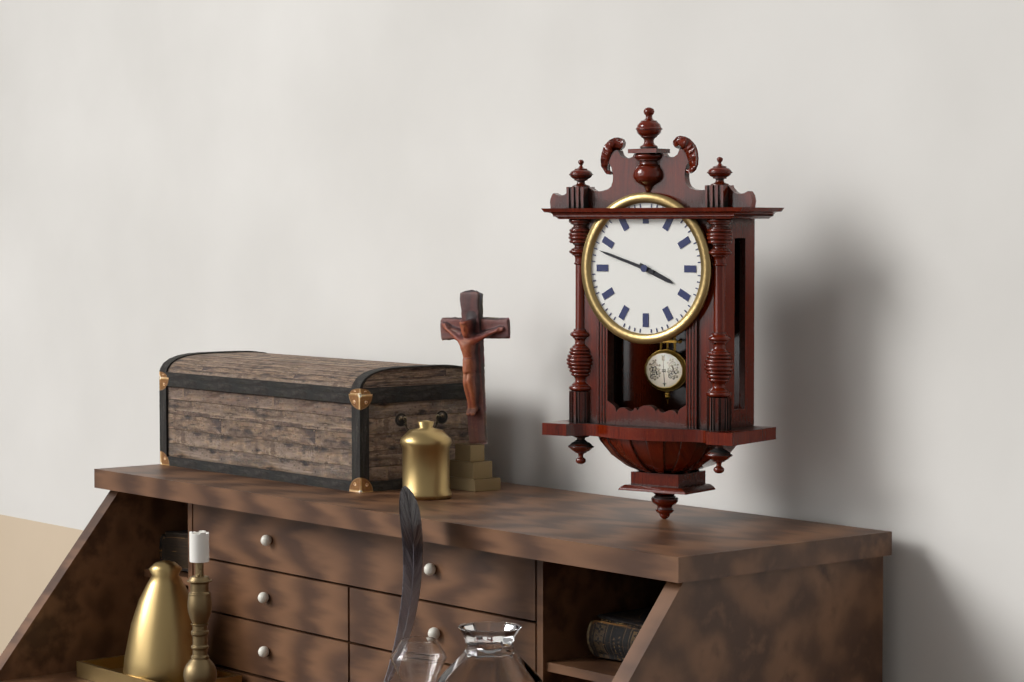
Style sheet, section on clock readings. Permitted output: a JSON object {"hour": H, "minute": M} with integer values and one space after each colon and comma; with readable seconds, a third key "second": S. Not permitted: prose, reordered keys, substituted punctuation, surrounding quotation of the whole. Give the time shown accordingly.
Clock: {"hour": 3, "minute": 48}
